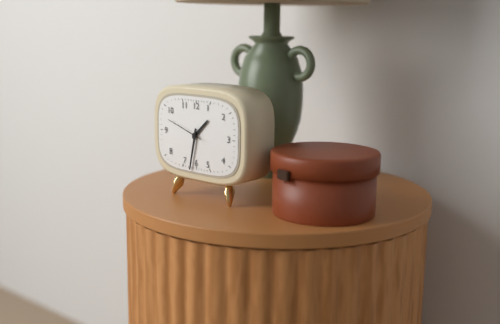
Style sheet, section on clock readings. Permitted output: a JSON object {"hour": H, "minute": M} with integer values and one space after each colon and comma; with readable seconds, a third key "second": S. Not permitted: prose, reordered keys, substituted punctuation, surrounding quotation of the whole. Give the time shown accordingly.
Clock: {"hour": 1, "minute": 32}
